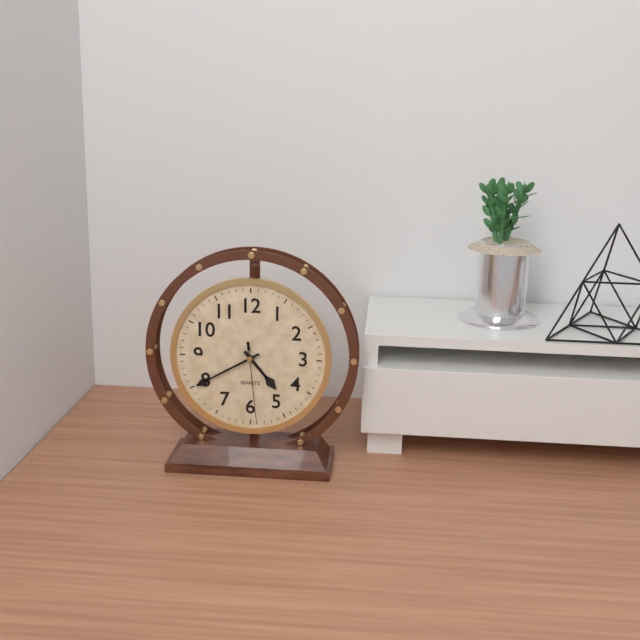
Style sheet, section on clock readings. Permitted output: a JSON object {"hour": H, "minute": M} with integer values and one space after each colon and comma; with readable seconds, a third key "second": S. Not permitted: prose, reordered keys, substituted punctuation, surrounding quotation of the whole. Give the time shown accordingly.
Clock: {"hour": 4, "minute": 40, "second": 29}
